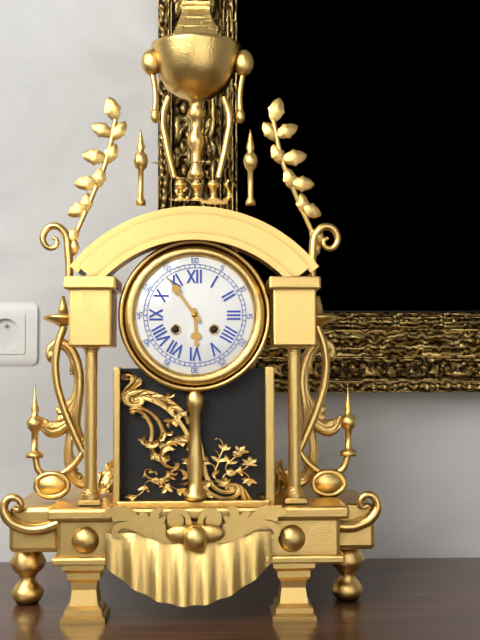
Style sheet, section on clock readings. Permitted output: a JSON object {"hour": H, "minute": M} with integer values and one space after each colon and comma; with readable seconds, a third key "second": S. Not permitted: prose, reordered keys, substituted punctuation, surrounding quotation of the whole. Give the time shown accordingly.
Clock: {"hour": 5, "minute": 54}
